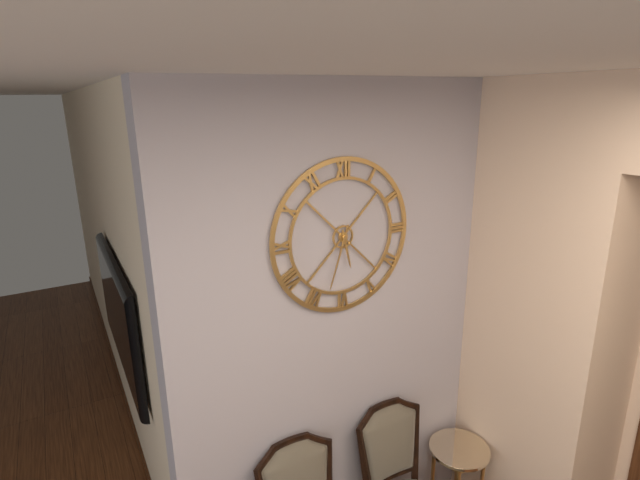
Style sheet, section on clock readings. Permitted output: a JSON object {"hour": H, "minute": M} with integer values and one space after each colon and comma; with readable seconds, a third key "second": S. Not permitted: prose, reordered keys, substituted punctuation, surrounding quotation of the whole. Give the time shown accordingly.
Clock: {"hour": 5, "minute": 33}
